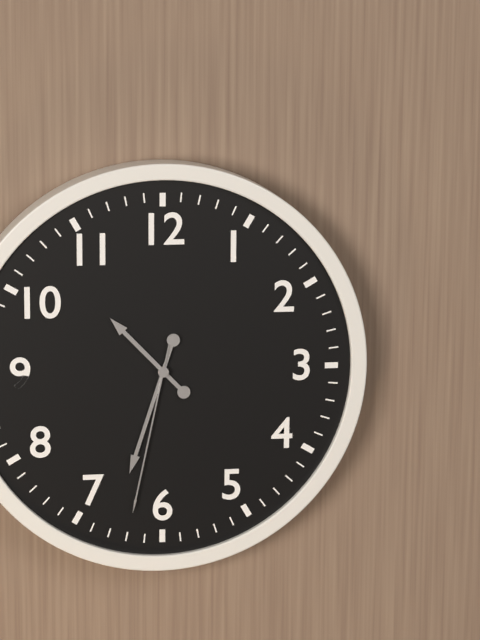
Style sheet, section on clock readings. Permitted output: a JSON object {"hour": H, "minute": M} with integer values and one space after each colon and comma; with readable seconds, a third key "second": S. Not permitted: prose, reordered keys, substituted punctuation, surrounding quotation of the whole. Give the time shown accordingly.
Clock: {"hour": 10, "minute": 33, "second": 32}
